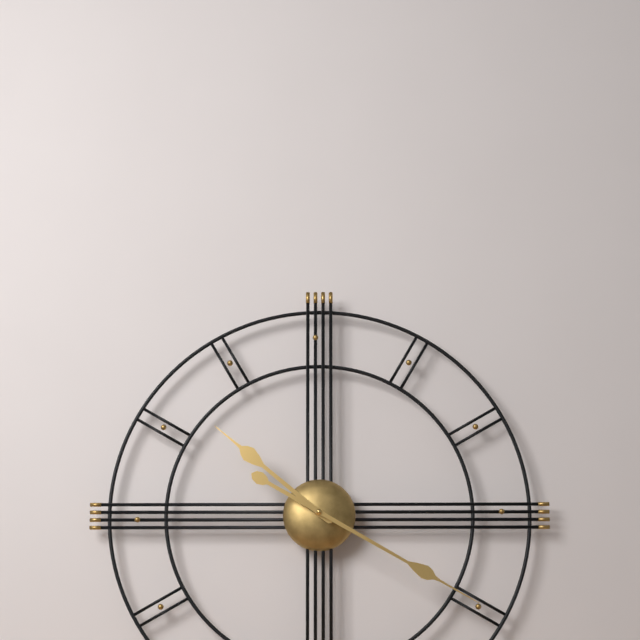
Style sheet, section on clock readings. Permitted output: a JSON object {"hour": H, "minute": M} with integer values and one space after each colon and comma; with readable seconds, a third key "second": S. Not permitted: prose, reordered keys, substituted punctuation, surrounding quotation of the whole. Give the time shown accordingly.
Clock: {"hour": 10, "minute": 20}
